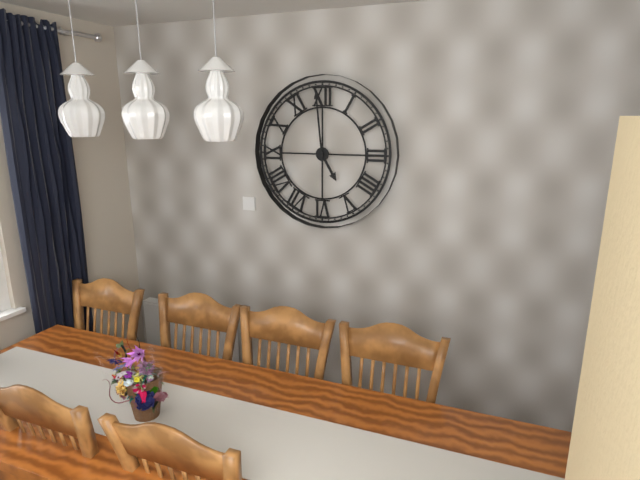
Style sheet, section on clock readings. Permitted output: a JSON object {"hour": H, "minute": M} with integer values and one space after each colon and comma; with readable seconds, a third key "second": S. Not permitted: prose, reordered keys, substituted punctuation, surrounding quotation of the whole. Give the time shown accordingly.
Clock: {"hour": 4, "minute": 59}
